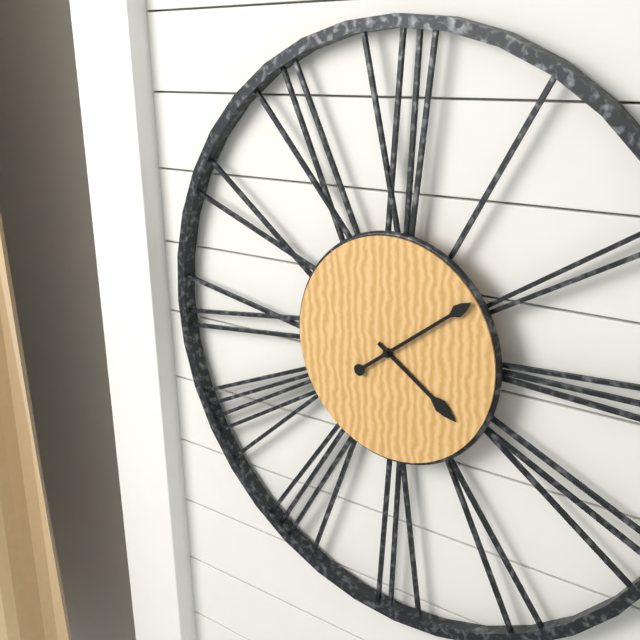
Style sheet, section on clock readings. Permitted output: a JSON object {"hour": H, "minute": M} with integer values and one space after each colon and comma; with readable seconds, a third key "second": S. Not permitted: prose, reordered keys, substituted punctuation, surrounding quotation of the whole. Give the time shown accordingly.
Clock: {"hour": 4, "minute": 9}
